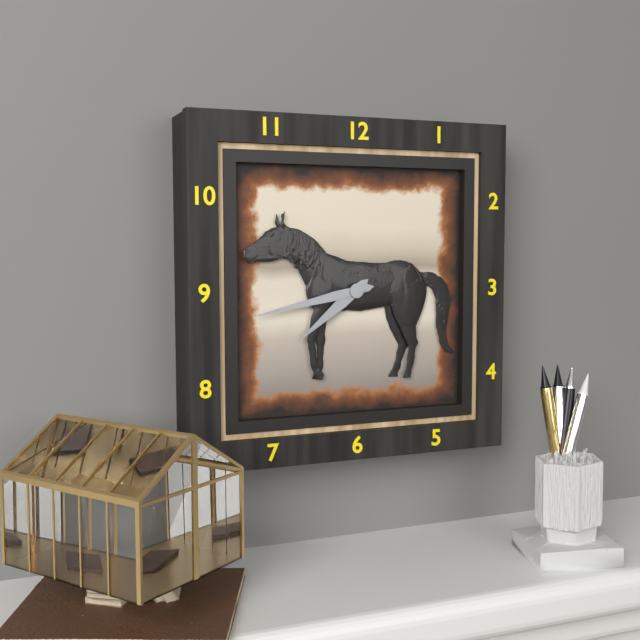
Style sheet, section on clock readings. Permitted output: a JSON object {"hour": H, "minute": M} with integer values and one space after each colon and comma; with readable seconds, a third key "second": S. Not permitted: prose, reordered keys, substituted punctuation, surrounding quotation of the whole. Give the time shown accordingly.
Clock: {"hour": 7, "minute": 43}
